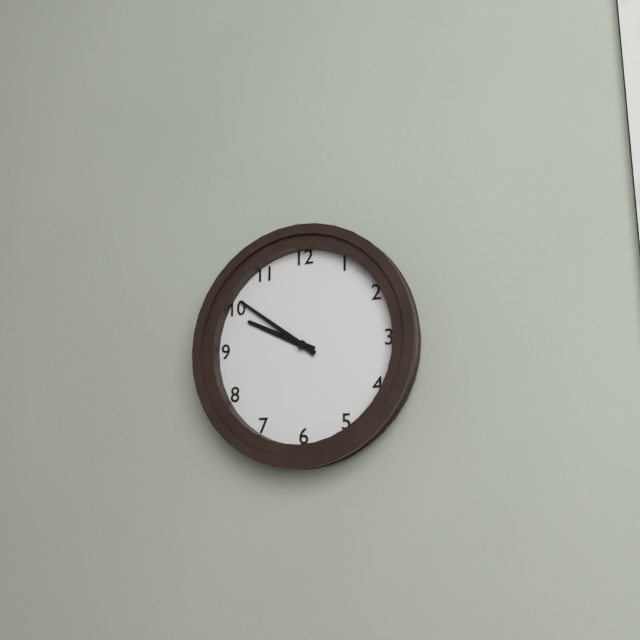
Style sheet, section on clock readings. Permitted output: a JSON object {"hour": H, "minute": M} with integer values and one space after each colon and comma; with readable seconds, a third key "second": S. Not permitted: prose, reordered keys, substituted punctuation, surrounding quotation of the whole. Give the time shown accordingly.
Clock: {"hour": 9, "minute": 51}
